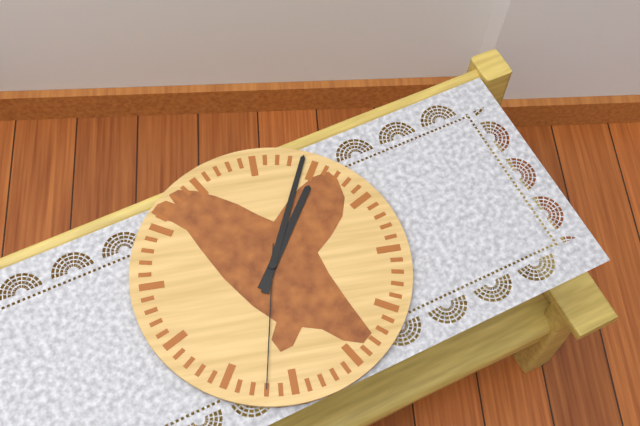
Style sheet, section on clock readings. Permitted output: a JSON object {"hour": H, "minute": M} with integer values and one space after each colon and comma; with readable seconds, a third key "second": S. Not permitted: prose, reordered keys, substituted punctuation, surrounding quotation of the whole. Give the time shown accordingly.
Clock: {"hour": 1, "minute": 4, "second": 32}
